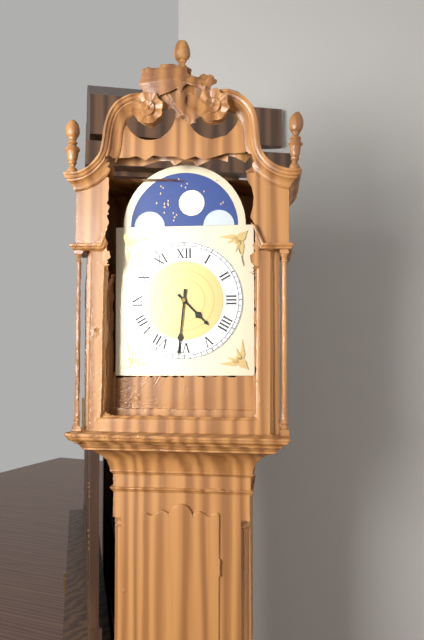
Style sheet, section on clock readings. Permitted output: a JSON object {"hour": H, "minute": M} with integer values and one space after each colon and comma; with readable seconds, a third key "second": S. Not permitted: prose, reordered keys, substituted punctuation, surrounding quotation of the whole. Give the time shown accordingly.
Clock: {"hour": 4, "minute": 31}
